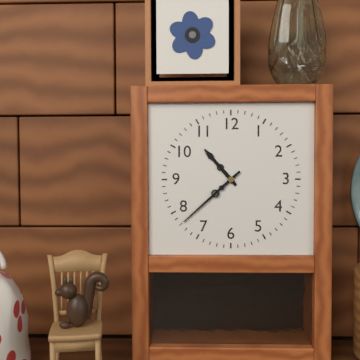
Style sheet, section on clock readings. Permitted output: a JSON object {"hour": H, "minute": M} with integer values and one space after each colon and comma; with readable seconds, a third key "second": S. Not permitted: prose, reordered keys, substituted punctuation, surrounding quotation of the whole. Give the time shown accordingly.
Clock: {"hour": 10, "minute": 38}
